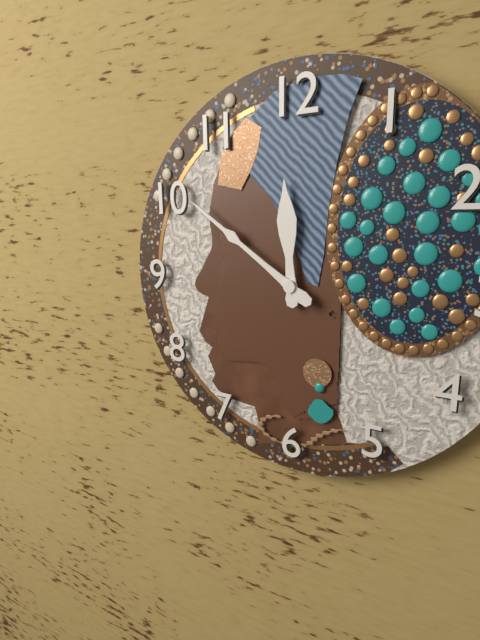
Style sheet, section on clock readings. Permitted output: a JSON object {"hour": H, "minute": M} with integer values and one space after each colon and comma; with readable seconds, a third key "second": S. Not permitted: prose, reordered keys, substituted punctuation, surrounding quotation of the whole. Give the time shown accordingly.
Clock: {"hour": 11, "minute": 51}
